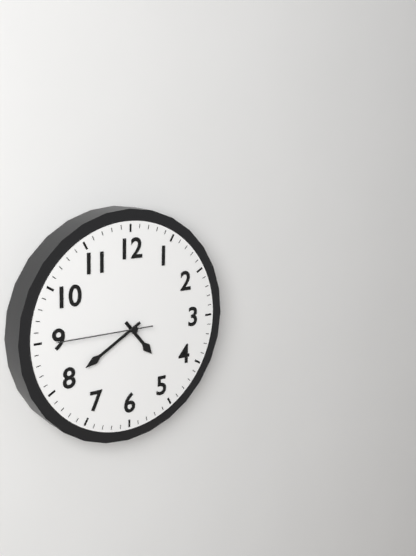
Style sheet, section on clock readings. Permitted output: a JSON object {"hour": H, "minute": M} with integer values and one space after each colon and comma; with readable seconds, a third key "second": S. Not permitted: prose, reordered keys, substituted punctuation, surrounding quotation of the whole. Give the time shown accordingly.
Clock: {"hour": 4, "minute": 40, "second": 45}
